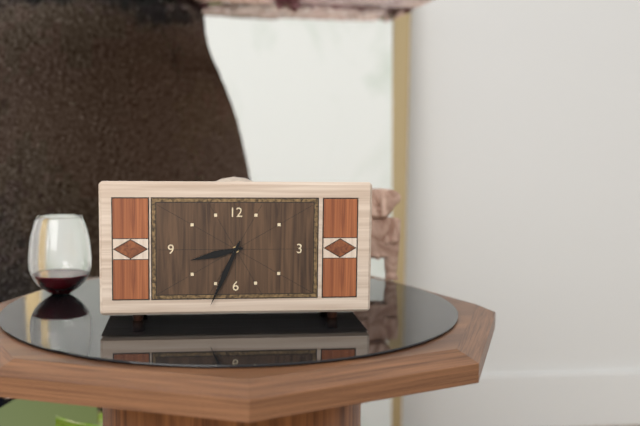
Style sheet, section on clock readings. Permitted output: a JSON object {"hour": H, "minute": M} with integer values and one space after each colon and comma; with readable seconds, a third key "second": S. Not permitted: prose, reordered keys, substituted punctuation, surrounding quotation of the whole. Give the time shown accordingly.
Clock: {"hour": 8, "minute": 34}
